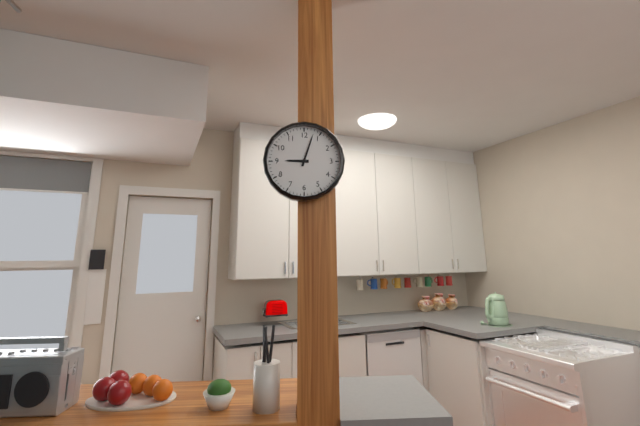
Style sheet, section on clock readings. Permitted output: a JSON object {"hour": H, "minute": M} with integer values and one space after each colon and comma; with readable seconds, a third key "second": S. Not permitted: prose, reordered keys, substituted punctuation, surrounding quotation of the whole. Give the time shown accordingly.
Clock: {"hour": 9, "minute": 3}
